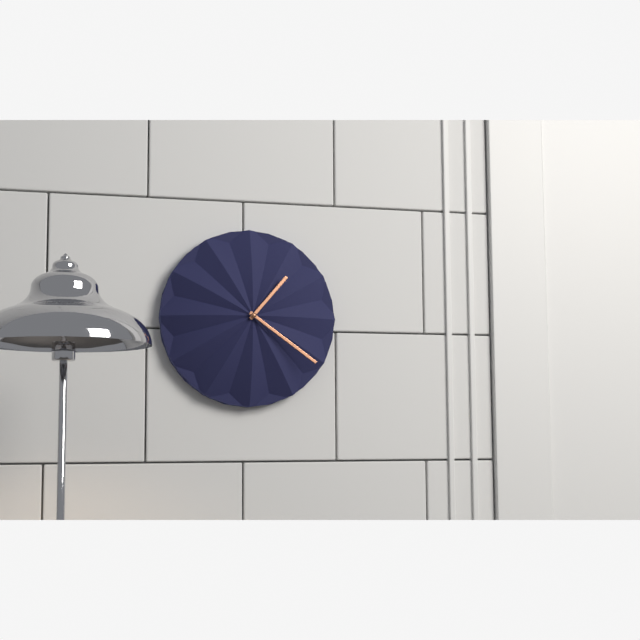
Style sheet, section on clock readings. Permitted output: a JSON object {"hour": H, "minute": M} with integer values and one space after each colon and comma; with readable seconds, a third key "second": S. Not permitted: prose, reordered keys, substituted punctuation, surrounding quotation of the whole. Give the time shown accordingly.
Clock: {"hour": 1, "minute": 21}
